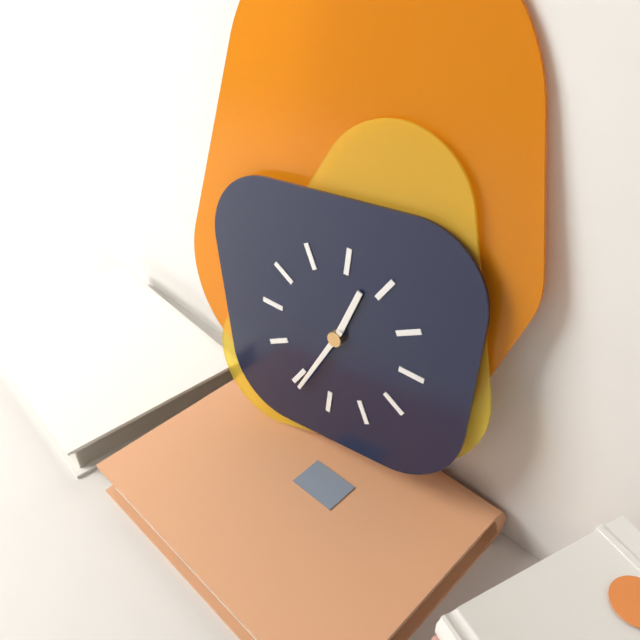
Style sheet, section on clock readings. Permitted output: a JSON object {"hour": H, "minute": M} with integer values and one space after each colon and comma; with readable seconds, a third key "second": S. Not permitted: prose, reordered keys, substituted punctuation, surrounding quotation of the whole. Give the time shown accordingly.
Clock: {"hour": 12, "minute": 34}
